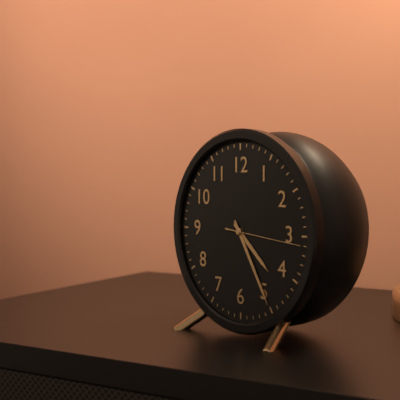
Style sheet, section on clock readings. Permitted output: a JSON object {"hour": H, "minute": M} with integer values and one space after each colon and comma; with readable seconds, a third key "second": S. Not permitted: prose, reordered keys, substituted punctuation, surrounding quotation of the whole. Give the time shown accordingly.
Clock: {"hour": 4, "minute": 25, "second": 16}
